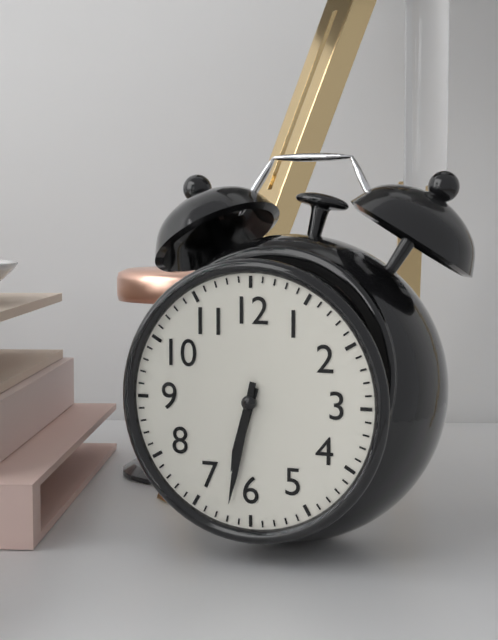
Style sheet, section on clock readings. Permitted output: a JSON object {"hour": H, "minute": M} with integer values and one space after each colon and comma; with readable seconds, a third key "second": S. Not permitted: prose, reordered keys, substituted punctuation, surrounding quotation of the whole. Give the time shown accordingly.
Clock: {"hour": 6, "minute": 32}
